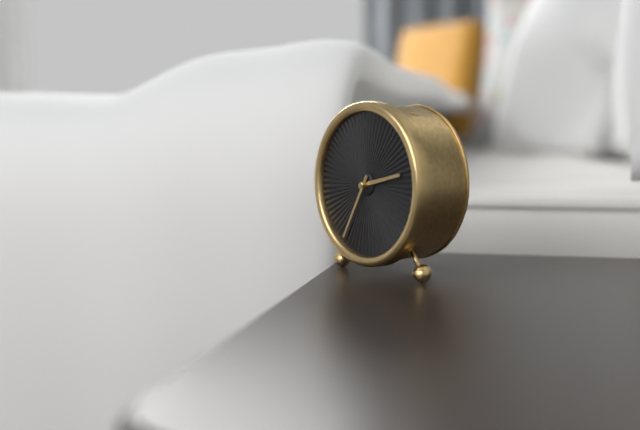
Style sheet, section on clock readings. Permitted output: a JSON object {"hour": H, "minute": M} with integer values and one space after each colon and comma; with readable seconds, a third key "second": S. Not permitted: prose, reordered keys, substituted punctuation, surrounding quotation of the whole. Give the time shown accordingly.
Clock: {"hour": 2, "minute": 35}
